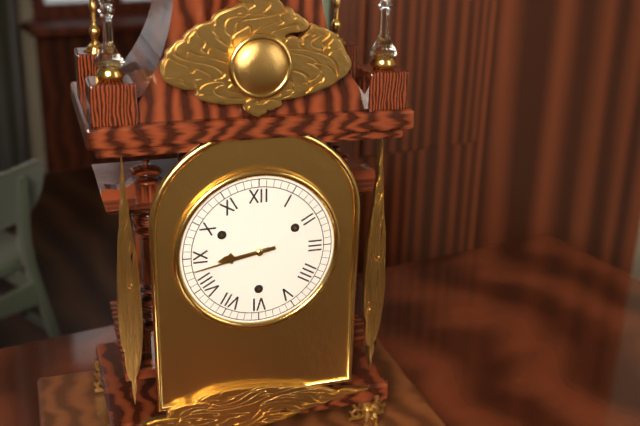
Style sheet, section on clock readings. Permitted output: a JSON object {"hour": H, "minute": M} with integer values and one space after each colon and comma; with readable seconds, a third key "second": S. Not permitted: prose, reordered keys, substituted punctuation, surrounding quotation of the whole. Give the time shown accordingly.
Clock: {"hour": 8, "minute": 43}
